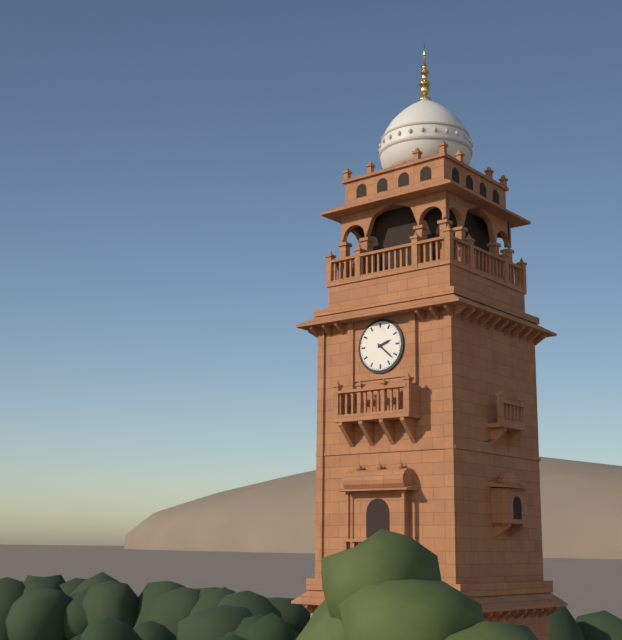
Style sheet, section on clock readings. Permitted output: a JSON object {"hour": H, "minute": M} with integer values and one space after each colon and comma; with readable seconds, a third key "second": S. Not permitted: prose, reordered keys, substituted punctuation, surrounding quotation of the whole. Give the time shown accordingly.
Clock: {"hour": 2, "minute": 22}
